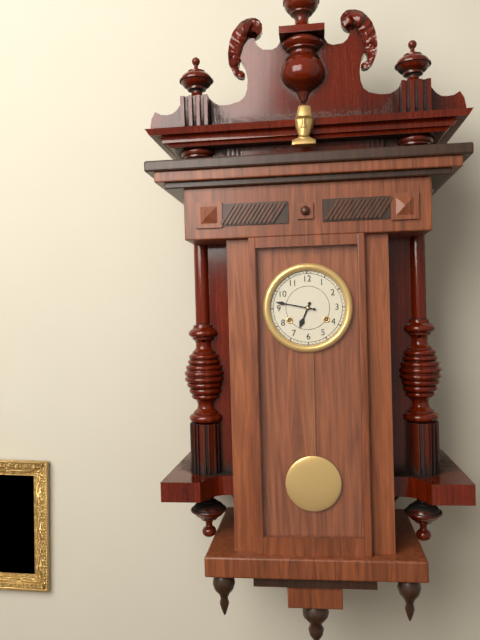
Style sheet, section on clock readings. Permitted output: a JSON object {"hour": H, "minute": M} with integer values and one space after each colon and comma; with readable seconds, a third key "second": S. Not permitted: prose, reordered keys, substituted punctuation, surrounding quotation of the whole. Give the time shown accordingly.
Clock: {"hour": 6, "minute": 47}
